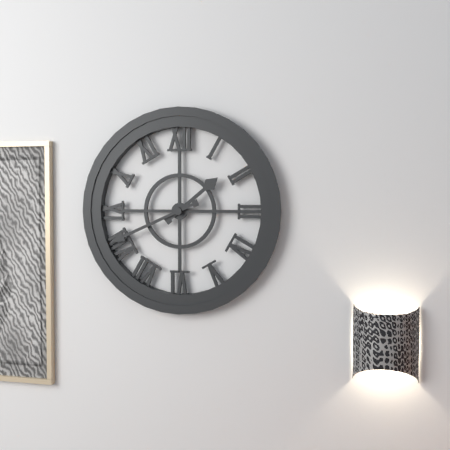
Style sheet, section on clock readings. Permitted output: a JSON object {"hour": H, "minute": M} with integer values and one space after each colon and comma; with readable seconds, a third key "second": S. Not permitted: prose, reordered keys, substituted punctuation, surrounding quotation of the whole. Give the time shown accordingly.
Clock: {"hour": 1, "minute": 41}
